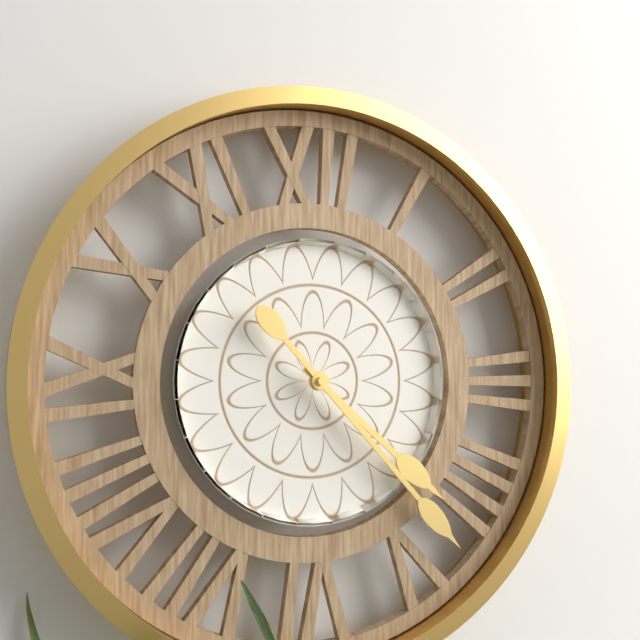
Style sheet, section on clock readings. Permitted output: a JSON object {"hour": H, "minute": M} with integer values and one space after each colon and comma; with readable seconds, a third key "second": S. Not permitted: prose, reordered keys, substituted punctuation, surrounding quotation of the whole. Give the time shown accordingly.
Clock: {"hour": 4, "minute": 23}
